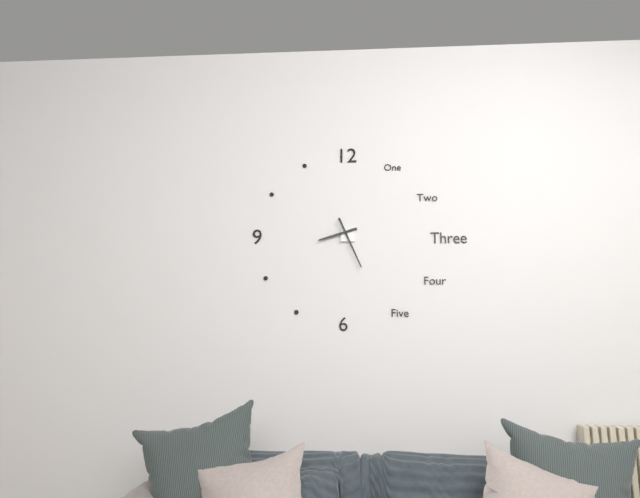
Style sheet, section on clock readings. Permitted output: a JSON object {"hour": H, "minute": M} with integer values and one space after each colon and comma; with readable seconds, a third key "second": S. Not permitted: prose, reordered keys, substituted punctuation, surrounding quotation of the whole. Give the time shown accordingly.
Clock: {"hour": 8, "minute": 26}
